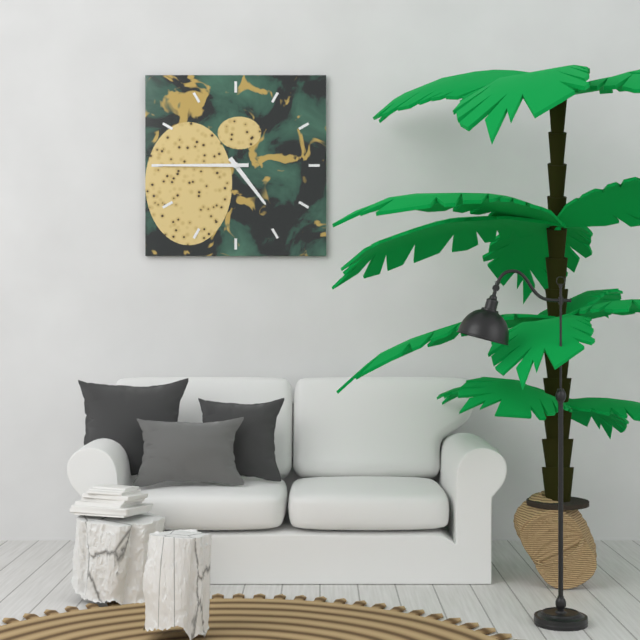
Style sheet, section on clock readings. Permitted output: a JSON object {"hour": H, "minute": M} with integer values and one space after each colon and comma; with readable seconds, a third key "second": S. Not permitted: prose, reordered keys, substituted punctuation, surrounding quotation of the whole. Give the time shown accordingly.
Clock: {"hour": 4, "minute": 45}
